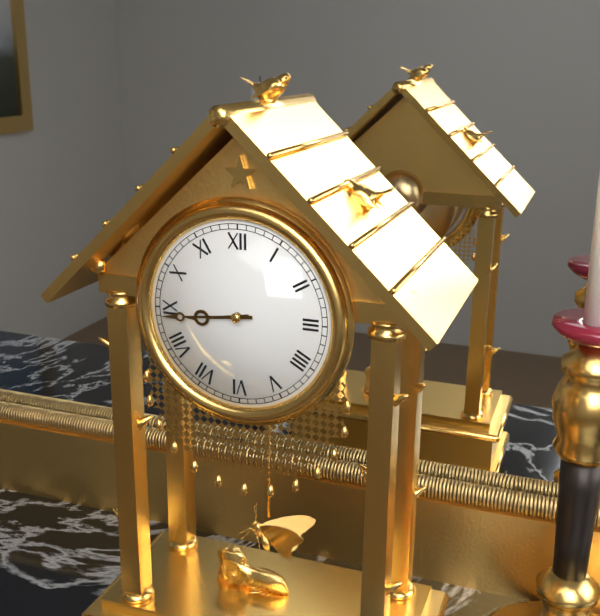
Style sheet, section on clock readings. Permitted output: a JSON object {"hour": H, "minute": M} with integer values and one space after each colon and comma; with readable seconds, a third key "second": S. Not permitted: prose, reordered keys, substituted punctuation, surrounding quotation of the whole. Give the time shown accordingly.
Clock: {"hour": 8, "minute": 44}
